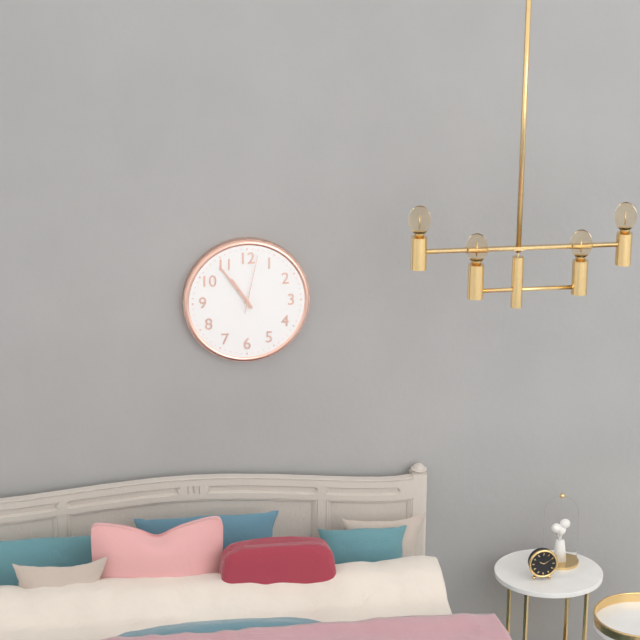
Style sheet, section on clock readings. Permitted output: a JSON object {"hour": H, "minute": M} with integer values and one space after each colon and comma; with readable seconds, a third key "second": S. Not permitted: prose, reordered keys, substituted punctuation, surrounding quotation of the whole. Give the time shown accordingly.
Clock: {"hour": 10, "minute": 54, "second": 2}
